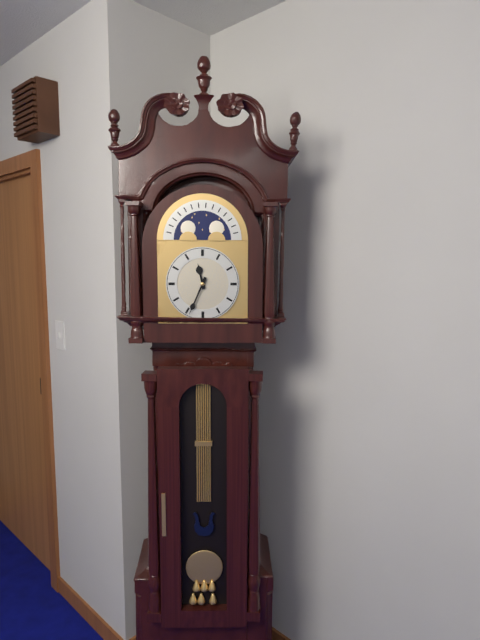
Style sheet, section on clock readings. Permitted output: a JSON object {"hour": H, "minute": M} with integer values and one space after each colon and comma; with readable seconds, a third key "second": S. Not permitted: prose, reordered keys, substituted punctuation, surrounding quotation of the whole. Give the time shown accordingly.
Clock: {"hour": 11, "minute": 34}
